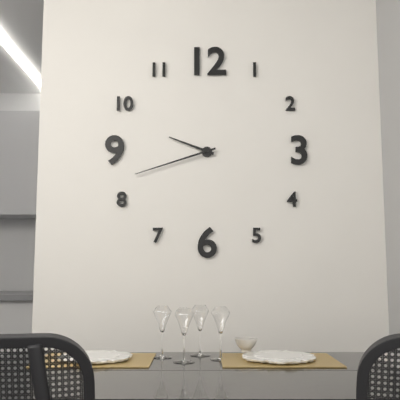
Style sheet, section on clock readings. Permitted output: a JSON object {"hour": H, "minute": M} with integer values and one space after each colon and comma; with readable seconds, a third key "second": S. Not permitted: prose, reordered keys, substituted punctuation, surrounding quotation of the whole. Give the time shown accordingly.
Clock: {"hour": 9, "minute": 42}
